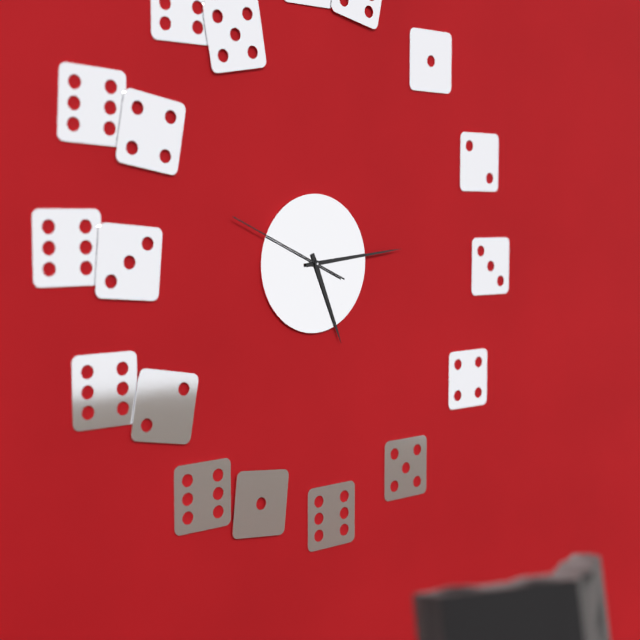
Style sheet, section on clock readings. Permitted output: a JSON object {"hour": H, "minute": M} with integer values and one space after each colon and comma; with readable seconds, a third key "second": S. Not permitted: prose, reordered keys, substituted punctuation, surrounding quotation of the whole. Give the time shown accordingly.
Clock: {"hour": 5, "minute": 14, "second": 49}
